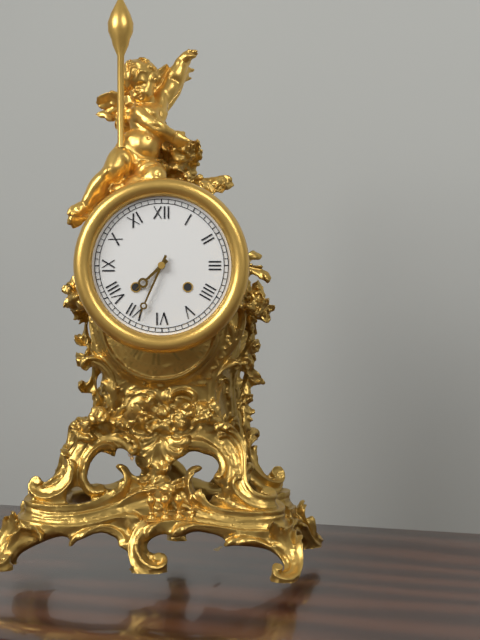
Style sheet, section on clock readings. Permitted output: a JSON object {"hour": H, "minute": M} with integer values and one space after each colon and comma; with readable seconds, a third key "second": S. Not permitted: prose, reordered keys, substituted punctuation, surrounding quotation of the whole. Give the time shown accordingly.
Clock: {"hour": 7, "minute": 34}
